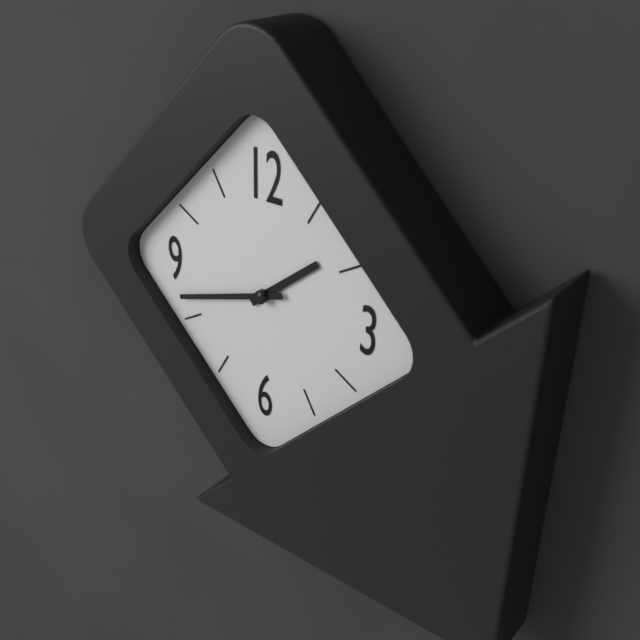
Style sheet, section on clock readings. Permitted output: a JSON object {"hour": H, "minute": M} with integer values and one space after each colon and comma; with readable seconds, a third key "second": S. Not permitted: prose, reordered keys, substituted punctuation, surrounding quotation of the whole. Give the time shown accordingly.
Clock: {"hour": 1, "minute": 42}
